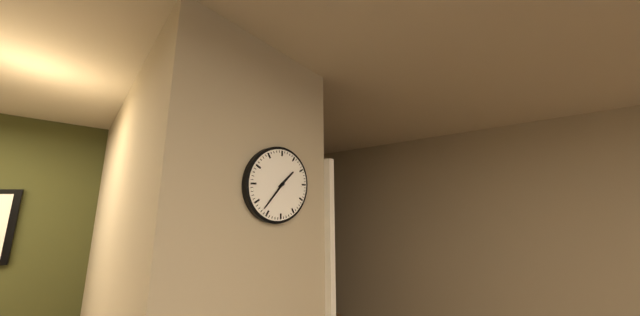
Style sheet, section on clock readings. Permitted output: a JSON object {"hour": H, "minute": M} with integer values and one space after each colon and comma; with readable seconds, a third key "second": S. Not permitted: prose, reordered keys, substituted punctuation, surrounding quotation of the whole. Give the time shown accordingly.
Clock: {"hour": 1, "minute": 37}
